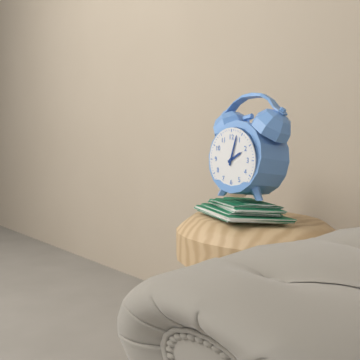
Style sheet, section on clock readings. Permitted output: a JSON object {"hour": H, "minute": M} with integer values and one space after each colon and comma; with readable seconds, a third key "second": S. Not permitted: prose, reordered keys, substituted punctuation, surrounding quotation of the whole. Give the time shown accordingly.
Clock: {"hour": 2, "minute": 3}
